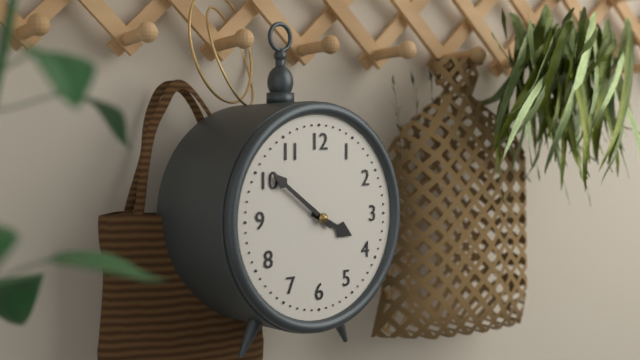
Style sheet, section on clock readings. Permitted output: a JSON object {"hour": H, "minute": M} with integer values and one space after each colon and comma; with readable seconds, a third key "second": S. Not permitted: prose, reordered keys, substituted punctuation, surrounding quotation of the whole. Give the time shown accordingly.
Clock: {"hour": 3, "minute": 51}
